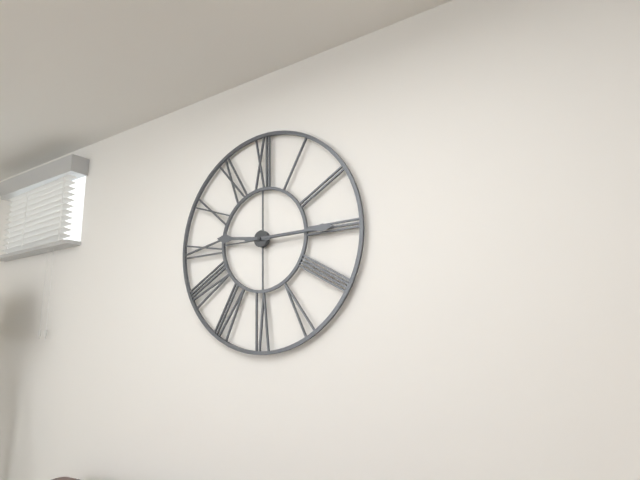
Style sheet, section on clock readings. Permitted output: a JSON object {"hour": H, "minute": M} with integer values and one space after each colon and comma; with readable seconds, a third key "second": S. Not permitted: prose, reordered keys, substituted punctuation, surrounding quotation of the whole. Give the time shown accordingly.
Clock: {"hour": 9, "minute": 15}
